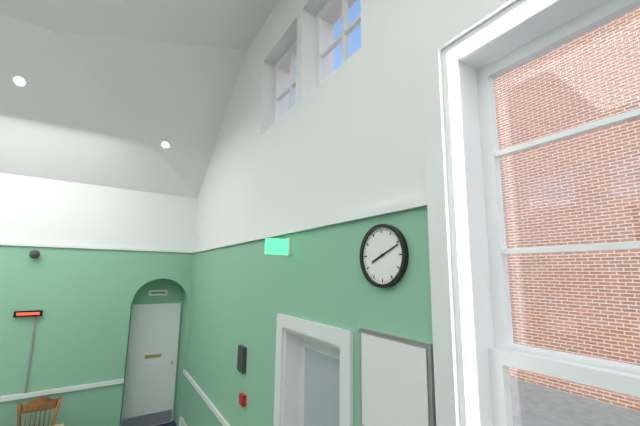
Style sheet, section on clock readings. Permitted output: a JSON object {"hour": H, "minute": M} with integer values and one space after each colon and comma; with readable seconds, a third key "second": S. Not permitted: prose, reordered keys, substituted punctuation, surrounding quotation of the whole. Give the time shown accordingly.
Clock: {"hour": 8, "minute": 11}
